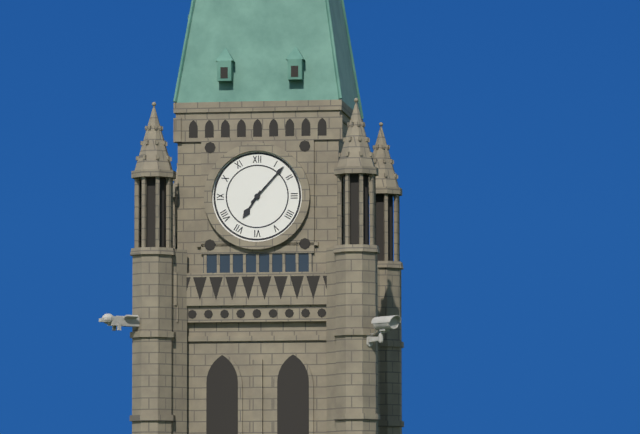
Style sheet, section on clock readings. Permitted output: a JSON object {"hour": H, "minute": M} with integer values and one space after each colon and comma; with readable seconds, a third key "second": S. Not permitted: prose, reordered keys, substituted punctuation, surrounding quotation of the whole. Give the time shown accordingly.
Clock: {"hour": 7, "minute": 7}
